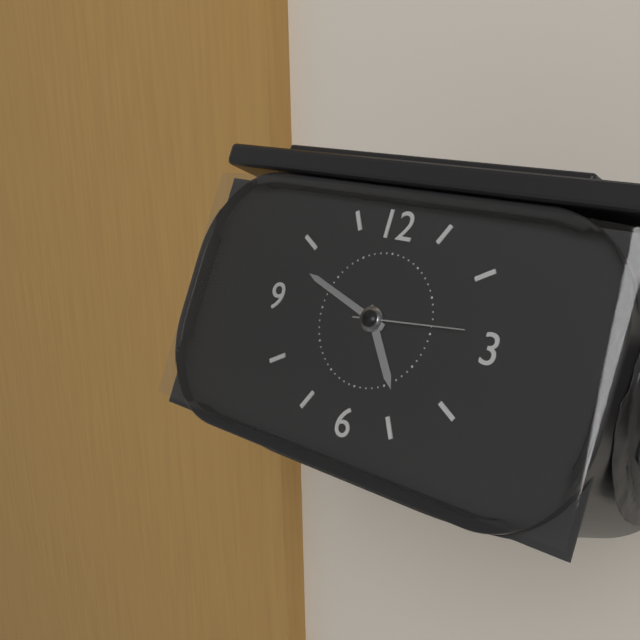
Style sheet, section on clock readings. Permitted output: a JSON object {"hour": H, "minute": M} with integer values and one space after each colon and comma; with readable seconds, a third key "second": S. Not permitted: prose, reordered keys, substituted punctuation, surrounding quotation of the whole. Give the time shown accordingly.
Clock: {"hour": 4, "minute": 48, "second": 14}
